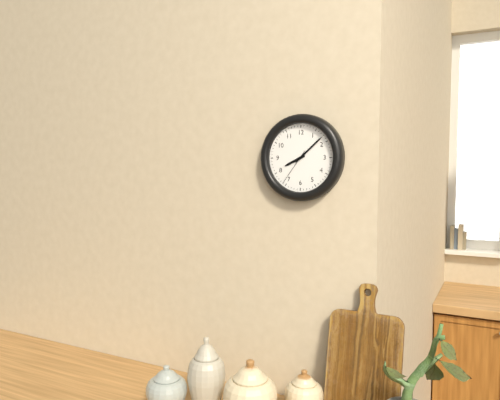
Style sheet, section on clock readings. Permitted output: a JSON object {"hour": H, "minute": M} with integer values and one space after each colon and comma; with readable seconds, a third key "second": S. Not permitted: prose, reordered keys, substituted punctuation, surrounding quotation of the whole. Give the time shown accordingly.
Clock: {"hour": 8, "minute": 8}
